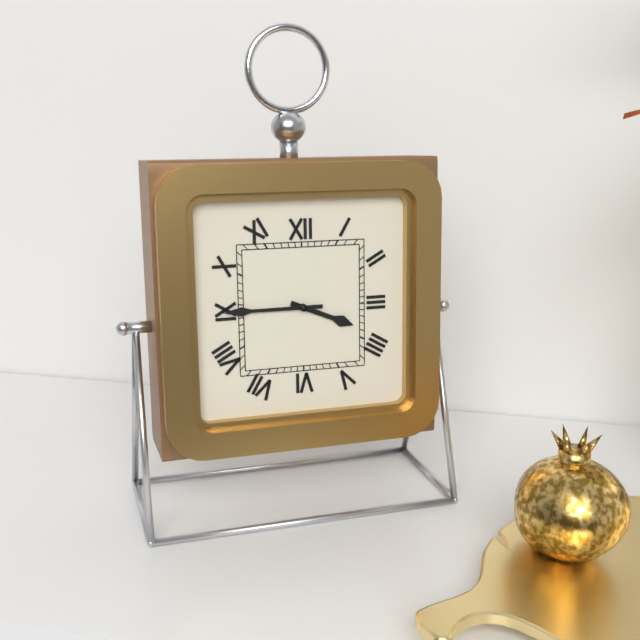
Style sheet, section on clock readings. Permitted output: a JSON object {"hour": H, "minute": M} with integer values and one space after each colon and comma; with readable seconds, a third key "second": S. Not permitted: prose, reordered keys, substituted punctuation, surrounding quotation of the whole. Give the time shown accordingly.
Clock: {"hour": 3, "minute": 45}
